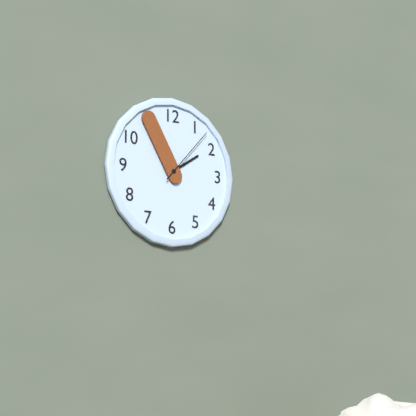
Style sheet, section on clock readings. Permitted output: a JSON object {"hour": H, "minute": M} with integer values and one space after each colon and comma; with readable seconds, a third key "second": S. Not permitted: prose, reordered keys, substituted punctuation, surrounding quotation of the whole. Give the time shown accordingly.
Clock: {"hour": 1, "minute": 55, "second": 7}
